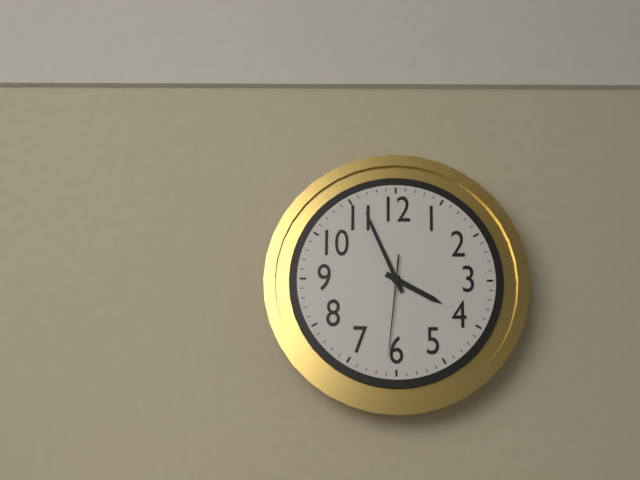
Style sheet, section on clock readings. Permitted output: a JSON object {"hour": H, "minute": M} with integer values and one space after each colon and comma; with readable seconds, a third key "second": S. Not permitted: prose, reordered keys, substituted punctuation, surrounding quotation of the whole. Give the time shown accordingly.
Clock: {"hour": 3, "minute": 56, "second": 31}
